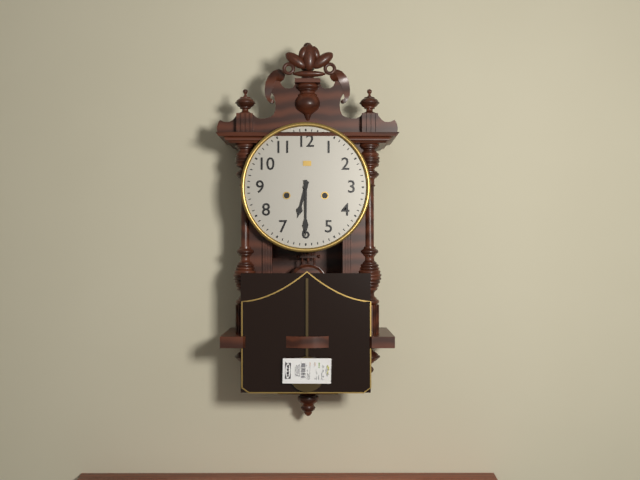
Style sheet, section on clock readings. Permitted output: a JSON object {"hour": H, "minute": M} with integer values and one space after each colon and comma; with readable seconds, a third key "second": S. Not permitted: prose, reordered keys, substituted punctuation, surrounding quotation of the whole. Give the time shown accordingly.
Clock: {"hour": 6, "minute": 30}
